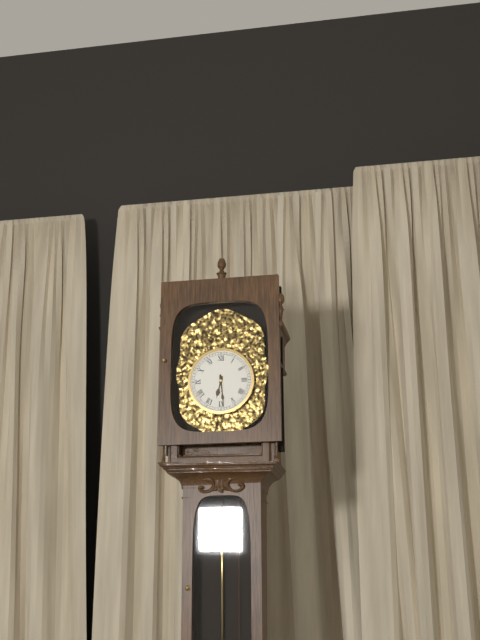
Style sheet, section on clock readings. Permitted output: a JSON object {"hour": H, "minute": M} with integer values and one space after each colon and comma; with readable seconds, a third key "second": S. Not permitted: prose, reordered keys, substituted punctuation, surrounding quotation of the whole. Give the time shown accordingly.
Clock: {"hour": 6, "minute": 29}
